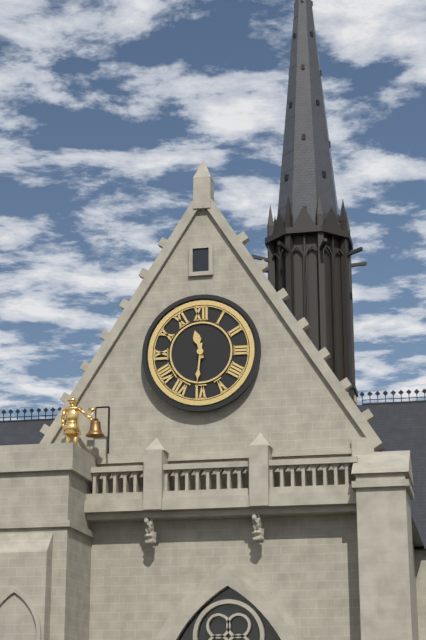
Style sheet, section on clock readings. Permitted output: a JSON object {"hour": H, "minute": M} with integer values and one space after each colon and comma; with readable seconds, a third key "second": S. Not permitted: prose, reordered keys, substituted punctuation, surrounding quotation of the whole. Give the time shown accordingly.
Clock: {"hour": 11, "minute": 31}
